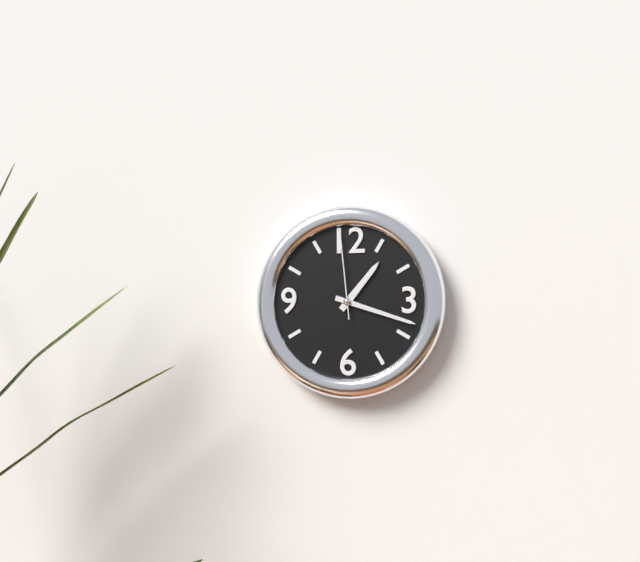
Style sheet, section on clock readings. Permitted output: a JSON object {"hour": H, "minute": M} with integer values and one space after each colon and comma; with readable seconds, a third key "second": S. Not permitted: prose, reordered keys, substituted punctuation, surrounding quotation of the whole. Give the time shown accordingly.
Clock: {"hour": 1, "minute": 18, "second": 59}
